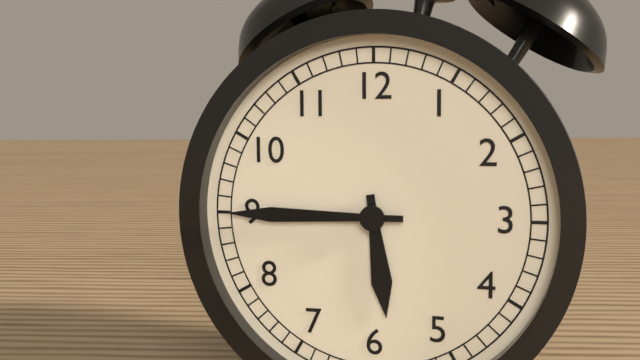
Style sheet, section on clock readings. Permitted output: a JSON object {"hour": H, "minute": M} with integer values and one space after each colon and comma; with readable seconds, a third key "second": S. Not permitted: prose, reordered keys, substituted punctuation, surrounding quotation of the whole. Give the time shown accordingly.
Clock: {"hour": 5, "minute": 45}
